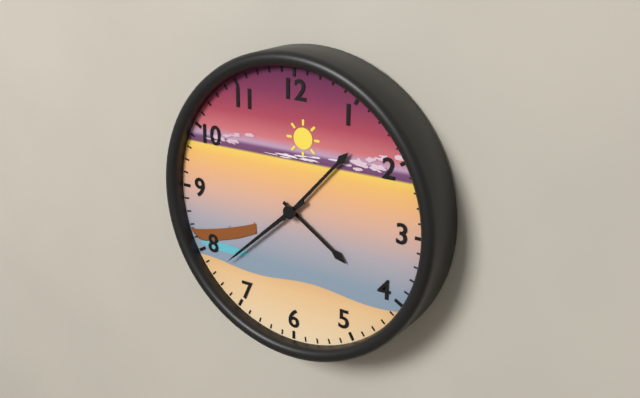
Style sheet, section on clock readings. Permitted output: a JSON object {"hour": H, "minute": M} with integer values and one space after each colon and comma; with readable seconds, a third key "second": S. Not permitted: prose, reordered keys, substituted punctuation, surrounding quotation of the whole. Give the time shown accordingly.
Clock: {"hour": 4, "minute": 7, "second": 38}
